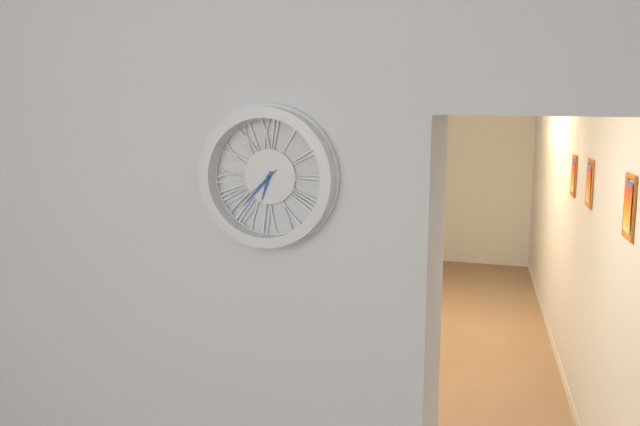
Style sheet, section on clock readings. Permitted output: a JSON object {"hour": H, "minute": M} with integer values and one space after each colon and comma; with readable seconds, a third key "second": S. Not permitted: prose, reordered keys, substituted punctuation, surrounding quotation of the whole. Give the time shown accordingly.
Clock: {"hour": 6, "minute": 37, "second": 38}
